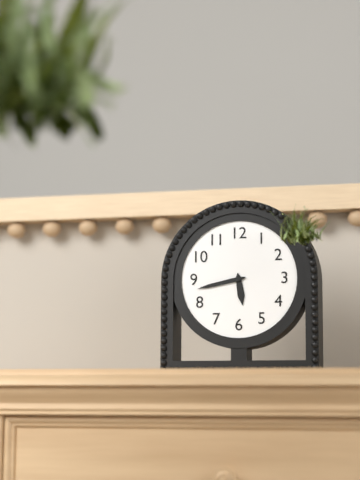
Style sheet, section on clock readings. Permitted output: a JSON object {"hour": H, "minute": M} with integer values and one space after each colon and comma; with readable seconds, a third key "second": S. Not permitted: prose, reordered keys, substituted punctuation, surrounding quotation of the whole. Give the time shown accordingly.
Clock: {"hour": 5, "minute": 43}
